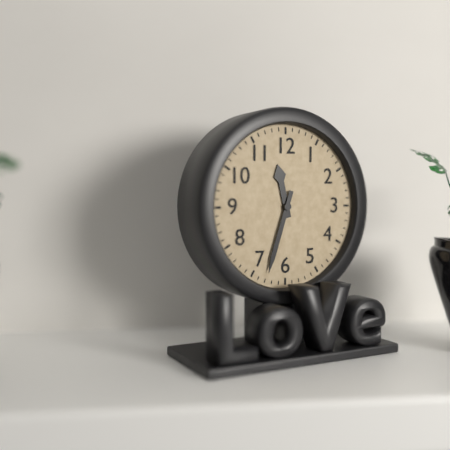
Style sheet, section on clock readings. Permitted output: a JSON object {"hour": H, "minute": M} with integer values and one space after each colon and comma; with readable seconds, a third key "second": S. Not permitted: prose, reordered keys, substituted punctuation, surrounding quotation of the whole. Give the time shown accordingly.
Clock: {"hour": 11, "minute": 33}
